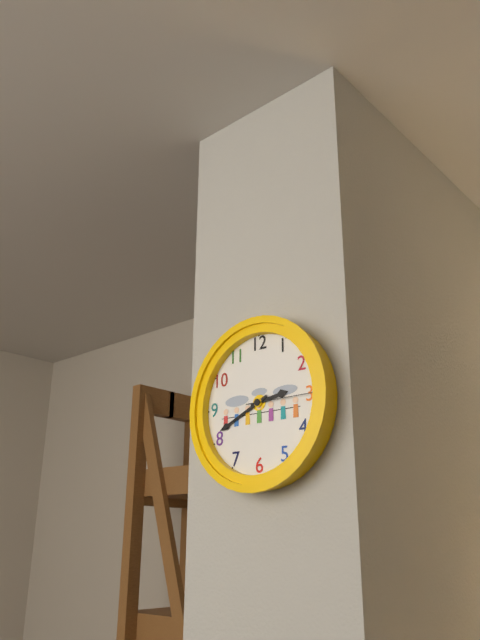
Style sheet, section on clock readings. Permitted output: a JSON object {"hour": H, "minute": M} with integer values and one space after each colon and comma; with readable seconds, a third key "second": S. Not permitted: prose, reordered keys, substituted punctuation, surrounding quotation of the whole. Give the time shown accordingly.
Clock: {"hour": 2, "minute": 41, "second": 15}
